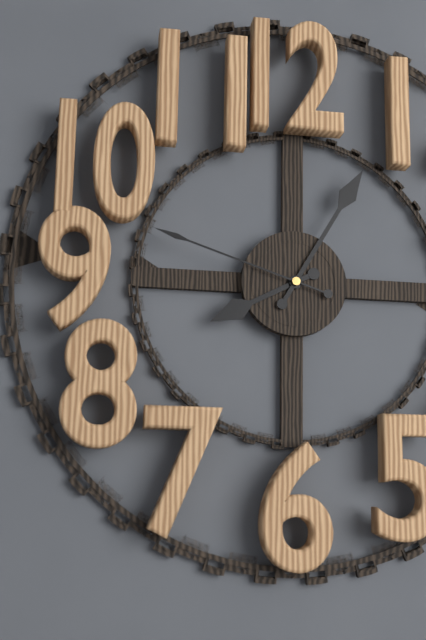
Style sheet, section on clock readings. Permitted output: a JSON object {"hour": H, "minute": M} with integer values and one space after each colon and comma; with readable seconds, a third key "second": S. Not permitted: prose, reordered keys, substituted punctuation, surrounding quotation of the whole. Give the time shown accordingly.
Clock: {"hour": 8, "minute": 5, "second": 48}
